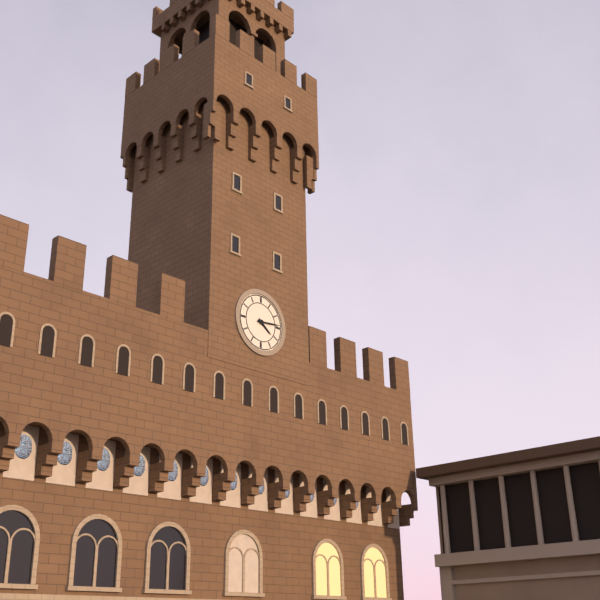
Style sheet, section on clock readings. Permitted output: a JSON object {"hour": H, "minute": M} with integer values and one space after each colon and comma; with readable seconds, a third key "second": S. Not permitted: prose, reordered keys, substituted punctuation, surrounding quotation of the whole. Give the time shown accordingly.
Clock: {"hour": 4, "minute": 14}
